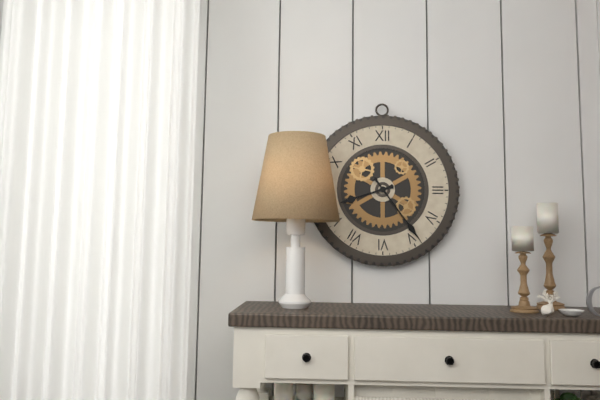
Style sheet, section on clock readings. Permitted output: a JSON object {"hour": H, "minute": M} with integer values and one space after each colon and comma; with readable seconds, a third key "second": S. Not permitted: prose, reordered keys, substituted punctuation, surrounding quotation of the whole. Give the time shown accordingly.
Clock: {"hour": 8, "minute": 24}
